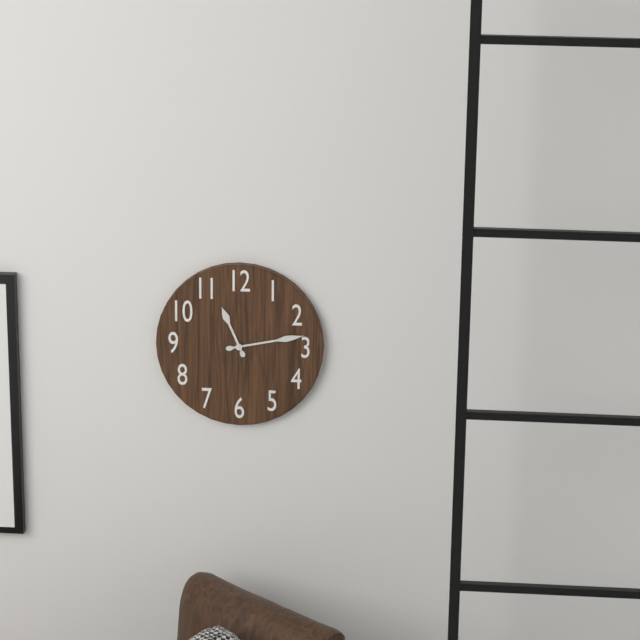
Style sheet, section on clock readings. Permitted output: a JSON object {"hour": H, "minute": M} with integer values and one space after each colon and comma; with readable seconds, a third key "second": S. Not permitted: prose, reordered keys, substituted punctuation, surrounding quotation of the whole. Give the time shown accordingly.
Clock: {"hour": 11, "minute": 13}
